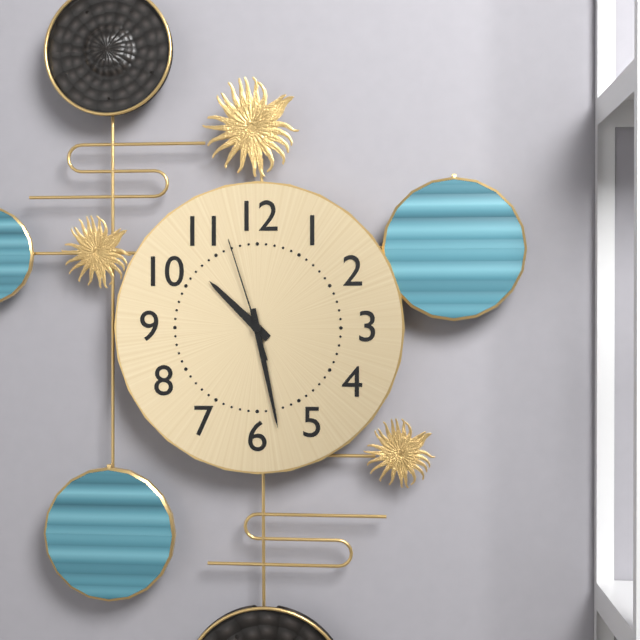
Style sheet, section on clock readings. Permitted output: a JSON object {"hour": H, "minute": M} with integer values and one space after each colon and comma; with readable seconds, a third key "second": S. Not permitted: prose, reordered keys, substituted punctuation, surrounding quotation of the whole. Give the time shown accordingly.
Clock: {"hour": 10, "minute": 28, "second": 57}
